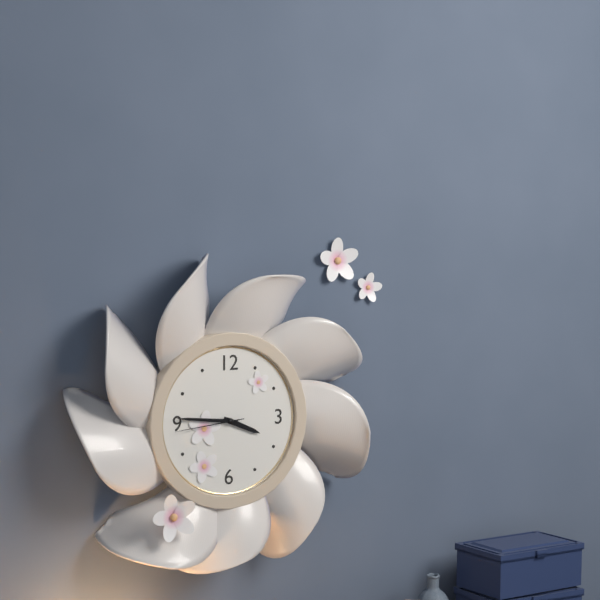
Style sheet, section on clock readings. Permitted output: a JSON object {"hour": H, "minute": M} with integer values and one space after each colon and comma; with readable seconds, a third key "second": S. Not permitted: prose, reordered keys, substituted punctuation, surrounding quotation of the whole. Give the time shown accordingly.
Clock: {"hour": 3, "minute": 46, "second": 44}
